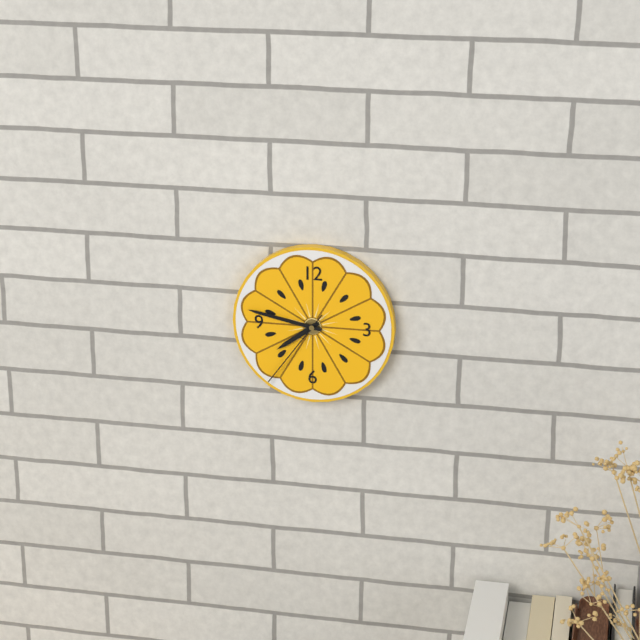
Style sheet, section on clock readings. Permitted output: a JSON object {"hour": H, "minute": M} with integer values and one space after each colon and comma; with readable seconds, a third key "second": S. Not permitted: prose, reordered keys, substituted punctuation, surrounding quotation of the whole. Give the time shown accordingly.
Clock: {"hour": 7, "minute": 47, "second": 36}
